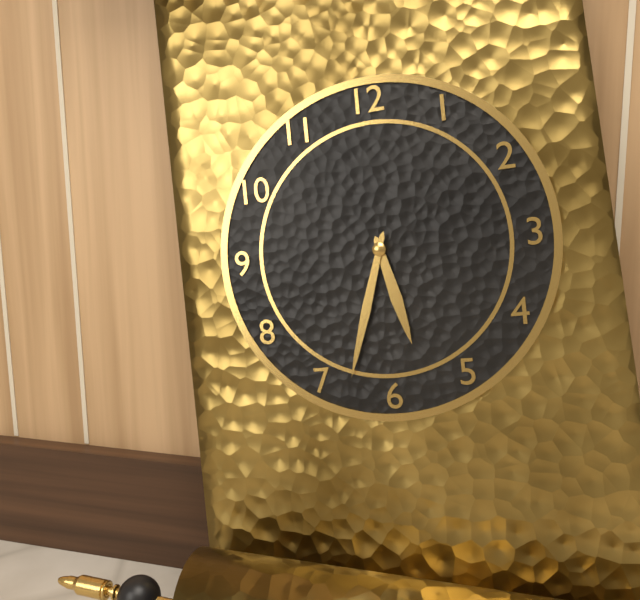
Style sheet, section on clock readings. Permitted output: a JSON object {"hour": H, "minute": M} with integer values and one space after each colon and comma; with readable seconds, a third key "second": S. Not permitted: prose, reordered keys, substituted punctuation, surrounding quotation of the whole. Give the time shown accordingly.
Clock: {"hour": 5, "minute": 33}
